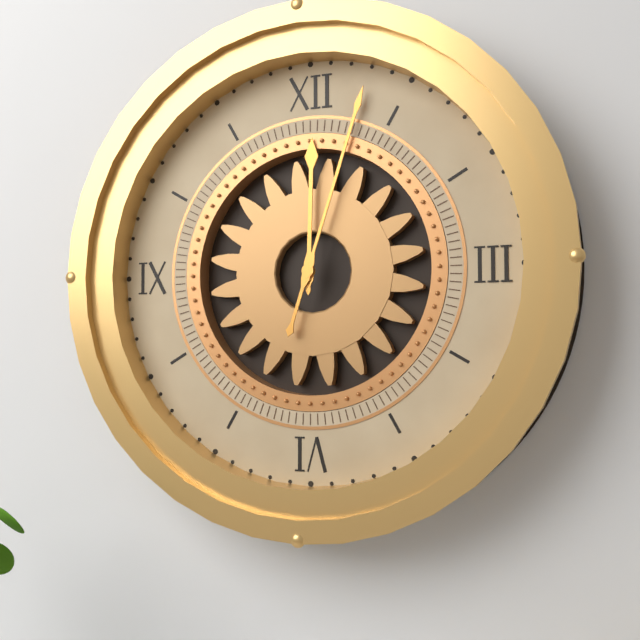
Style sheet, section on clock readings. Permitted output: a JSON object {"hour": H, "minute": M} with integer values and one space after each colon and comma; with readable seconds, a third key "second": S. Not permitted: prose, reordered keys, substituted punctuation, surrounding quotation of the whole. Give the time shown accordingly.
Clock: {"hour": 12, "minute": 3}
